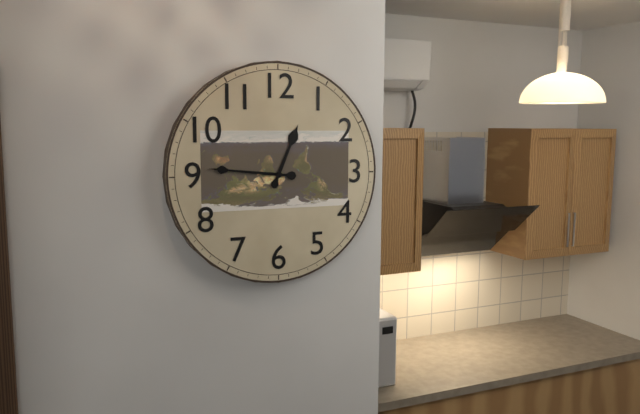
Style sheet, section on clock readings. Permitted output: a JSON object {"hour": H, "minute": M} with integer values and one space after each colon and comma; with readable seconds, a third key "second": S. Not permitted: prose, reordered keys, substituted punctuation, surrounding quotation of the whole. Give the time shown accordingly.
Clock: {"hour": 12, "minute": 46}
